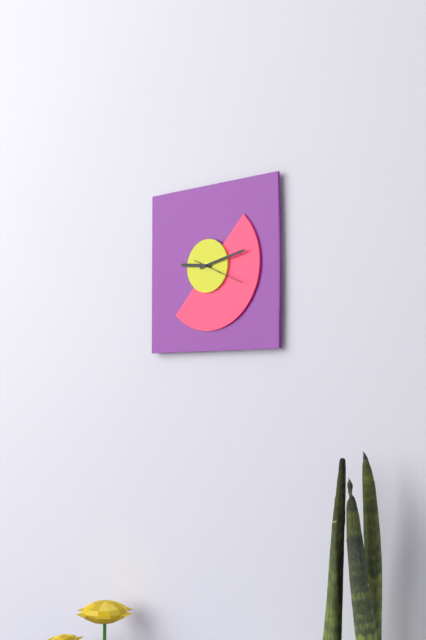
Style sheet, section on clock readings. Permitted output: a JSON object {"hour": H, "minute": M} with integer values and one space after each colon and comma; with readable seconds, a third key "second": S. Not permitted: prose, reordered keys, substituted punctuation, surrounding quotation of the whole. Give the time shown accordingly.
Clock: {"hour": 9, "minute": 13, "second": 19}
